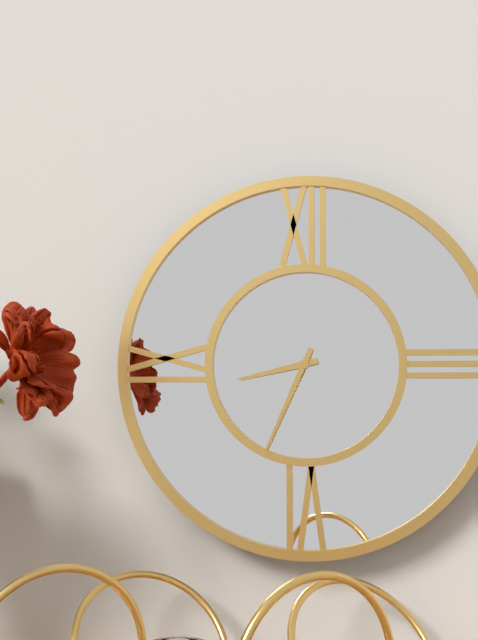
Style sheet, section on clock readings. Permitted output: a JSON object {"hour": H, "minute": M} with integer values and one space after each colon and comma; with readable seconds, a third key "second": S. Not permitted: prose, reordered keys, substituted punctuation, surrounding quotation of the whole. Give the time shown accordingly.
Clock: {"hour": 8, "minute": 34}
